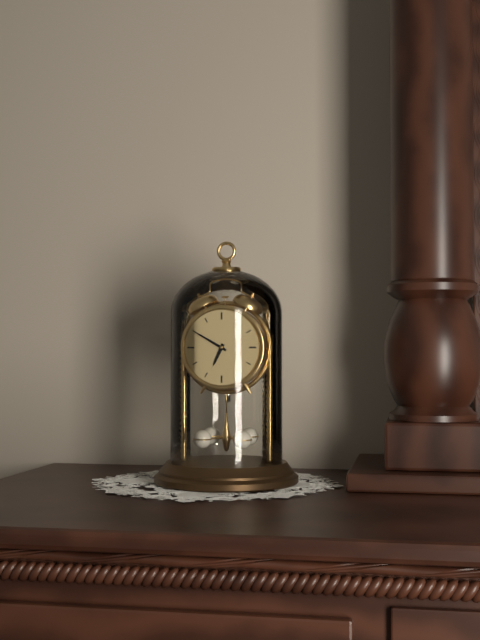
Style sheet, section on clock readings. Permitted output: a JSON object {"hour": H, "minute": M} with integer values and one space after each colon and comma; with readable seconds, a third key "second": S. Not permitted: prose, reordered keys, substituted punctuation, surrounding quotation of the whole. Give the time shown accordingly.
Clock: {"hour": 6, "minute": 50}
